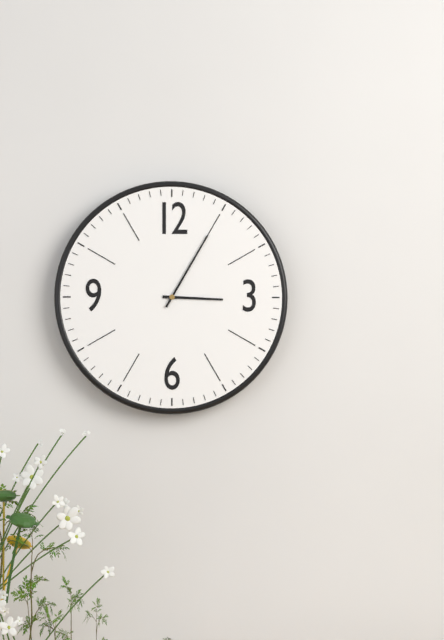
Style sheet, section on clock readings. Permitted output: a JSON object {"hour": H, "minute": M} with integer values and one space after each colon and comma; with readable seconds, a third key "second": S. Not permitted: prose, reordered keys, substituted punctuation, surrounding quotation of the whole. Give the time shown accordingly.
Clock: {"hour": 3, "minute": 5}
